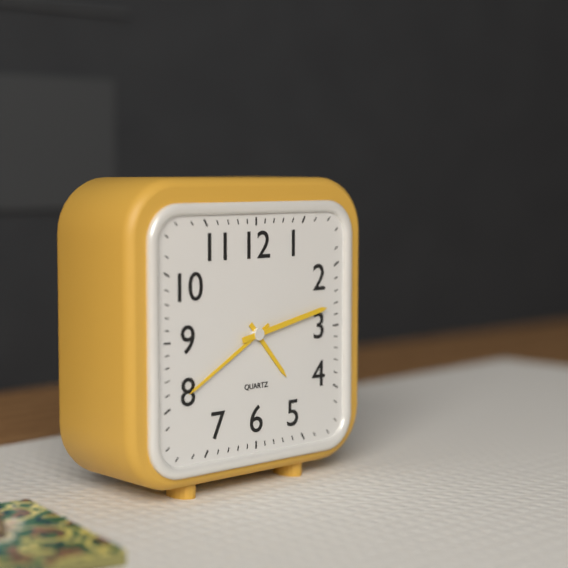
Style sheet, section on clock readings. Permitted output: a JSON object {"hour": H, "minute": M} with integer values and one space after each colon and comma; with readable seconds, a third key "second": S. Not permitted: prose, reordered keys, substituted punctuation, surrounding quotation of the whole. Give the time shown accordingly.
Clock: {"hour": 4, "minute": 40, "second": 13}
